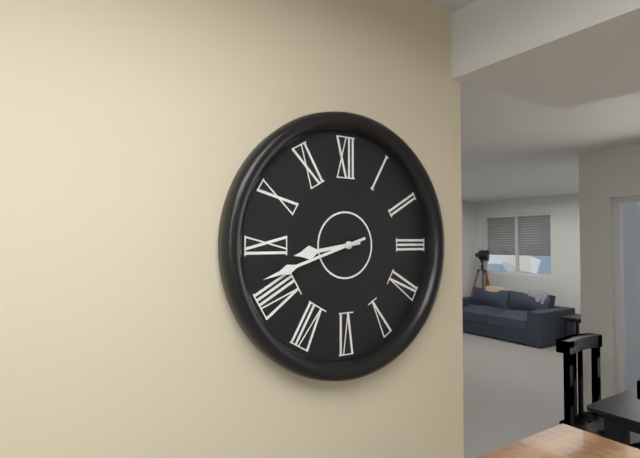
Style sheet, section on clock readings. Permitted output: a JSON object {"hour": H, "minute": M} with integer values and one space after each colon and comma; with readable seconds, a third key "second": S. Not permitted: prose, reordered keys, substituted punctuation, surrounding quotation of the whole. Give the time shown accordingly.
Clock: {"hour": 8, "minute": 42}
